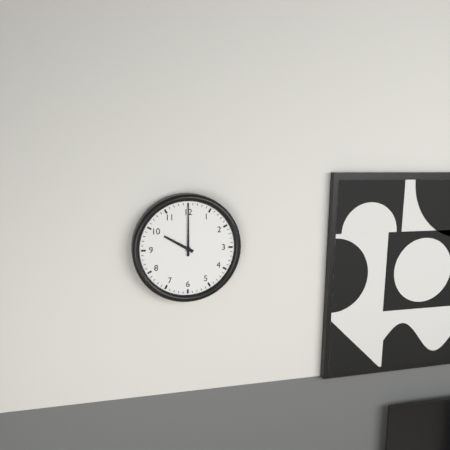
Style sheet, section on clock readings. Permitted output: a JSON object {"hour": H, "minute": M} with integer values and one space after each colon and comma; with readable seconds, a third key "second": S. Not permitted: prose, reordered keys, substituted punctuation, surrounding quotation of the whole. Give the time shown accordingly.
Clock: {"hour": 10, "minute": 0}
